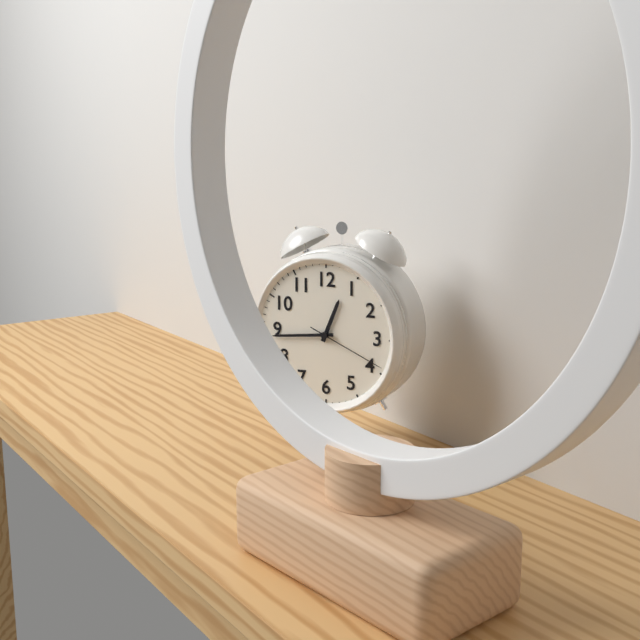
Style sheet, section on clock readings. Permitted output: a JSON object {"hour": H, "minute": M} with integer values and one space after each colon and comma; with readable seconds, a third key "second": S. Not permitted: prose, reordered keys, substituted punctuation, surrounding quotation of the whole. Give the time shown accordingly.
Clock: {"hour": 12, "minute": 44, "second": 19}
